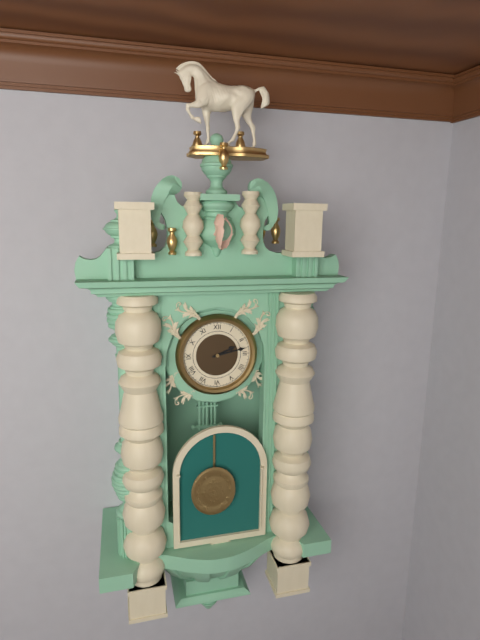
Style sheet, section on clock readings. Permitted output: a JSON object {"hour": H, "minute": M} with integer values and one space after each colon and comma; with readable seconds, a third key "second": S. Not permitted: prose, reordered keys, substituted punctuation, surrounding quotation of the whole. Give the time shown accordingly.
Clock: {"hour": 2, "minute": 13}
